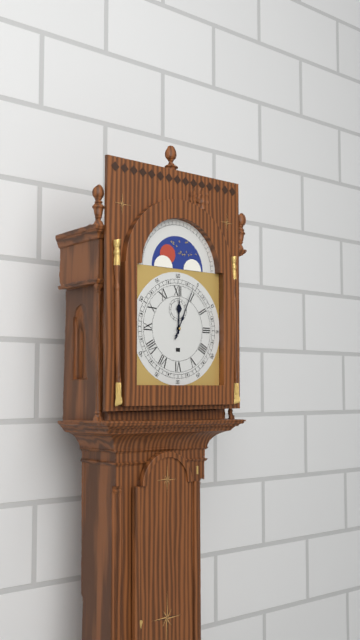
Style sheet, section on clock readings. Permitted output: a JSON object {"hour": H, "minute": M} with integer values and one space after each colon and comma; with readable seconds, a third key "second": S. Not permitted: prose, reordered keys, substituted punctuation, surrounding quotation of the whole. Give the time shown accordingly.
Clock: {"hour": 12, "minute": 4}
